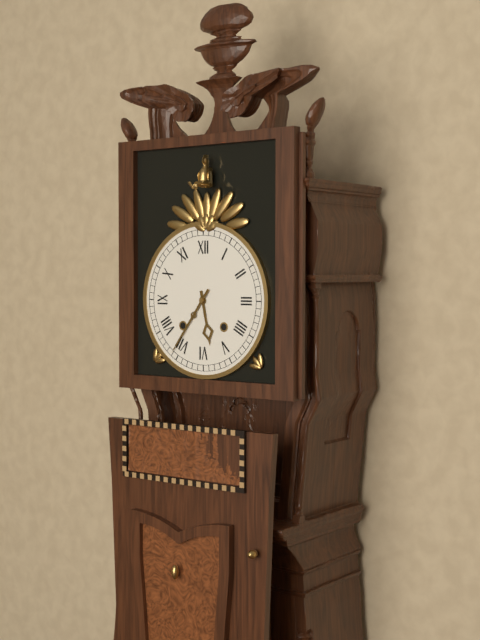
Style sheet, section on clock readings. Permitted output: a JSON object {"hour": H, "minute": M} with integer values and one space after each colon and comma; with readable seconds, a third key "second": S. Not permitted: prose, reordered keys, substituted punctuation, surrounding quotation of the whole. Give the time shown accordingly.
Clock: {"hour": 5, "minute": 36}
